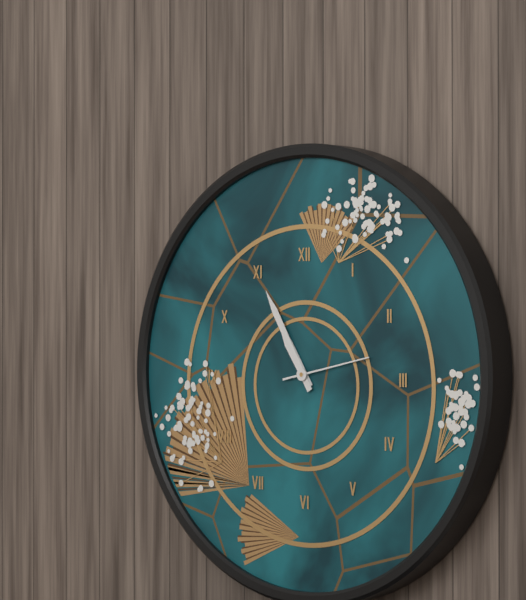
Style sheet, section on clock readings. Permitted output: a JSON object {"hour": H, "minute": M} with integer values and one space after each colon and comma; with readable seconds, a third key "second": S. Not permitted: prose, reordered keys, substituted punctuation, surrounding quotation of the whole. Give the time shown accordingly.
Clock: {"hour": 10, "minute": 55, "second": 13}
